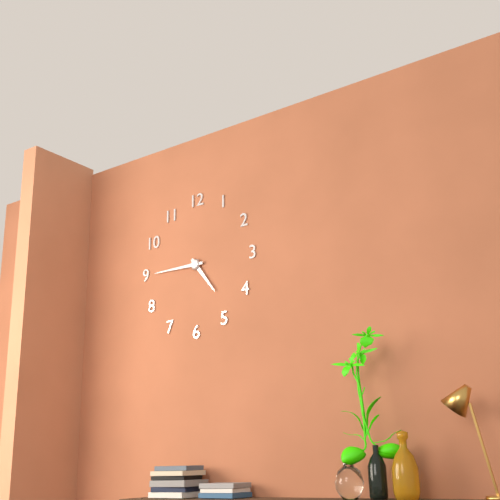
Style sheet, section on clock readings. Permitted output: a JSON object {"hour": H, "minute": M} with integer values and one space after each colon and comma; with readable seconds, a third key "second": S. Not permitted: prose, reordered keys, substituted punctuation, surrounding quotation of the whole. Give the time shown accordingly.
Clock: {"hour": 4, "minute": 45}
